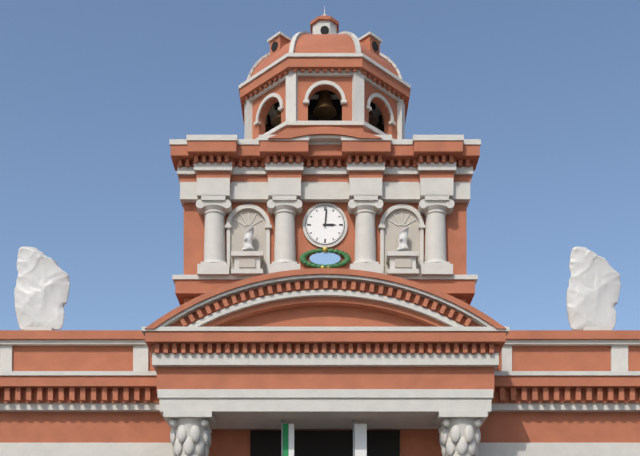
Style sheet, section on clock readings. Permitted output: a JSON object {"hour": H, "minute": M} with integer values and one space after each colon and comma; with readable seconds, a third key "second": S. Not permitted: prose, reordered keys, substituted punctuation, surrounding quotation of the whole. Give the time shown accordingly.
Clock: {"hour": 3, "minute": 1}
